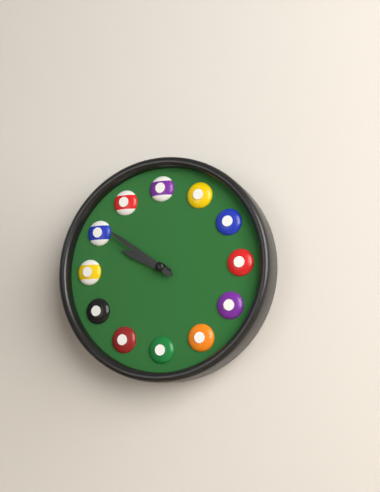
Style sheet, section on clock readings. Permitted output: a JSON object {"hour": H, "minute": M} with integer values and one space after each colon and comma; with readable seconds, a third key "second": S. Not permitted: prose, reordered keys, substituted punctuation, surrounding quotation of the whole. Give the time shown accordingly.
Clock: {"hour": 9, "minute": 51}
